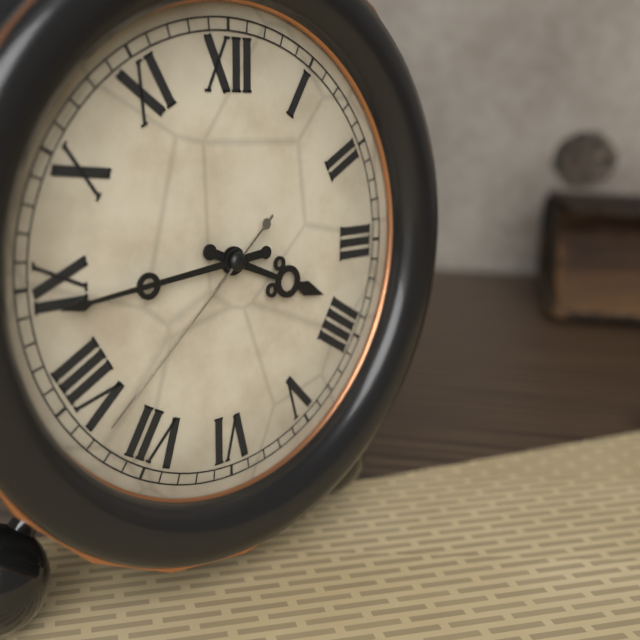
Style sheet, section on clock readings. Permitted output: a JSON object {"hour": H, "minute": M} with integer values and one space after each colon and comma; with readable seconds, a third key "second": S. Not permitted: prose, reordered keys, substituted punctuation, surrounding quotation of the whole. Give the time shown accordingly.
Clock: {"hour": 3, "minute": 44, "second": 38}
